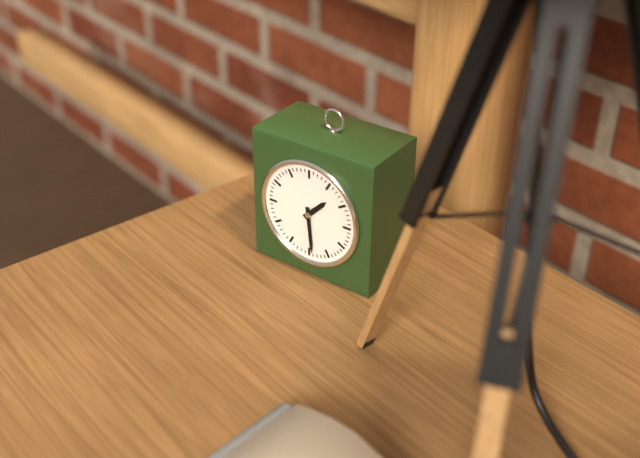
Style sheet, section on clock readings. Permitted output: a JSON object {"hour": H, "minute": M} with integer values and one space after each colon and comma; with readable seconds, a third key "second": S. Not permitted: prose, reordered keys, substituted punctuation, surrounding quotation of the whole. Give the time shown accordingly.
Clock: {"hour": 1, "minute": 29}
